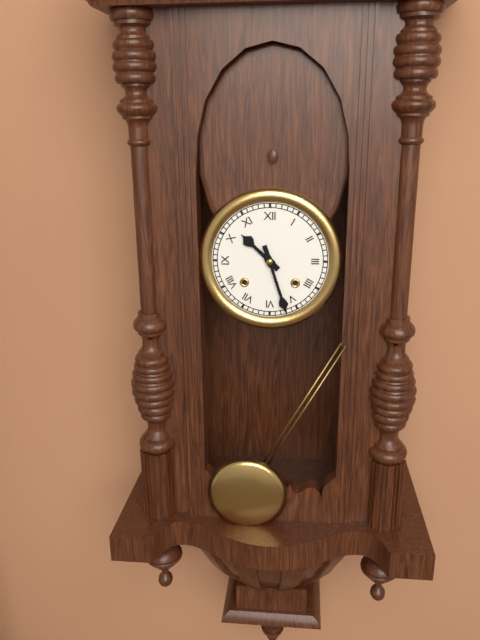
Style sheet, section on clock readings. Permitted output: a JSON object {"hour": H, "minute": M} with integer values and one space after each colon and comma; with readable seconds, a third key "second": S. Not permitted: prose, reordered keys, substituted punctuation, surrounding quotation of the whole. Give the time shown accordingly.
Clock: {"hour": 10, "minute": 27}
